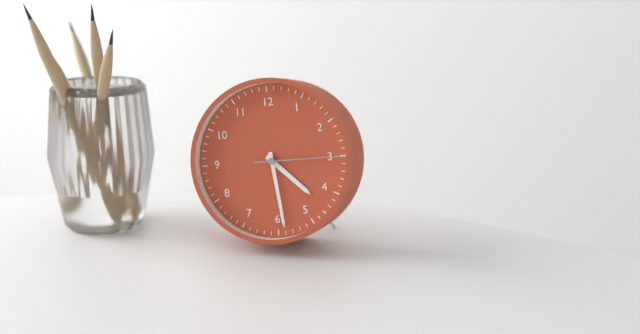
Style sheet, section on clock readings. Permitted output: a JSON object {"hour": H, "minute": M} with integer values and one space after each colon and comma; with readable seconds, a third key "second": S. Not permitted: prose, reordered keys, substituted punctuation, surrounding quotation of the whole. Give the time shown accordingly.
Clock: {"hour": 4, "minute": 29, "second": 15}
